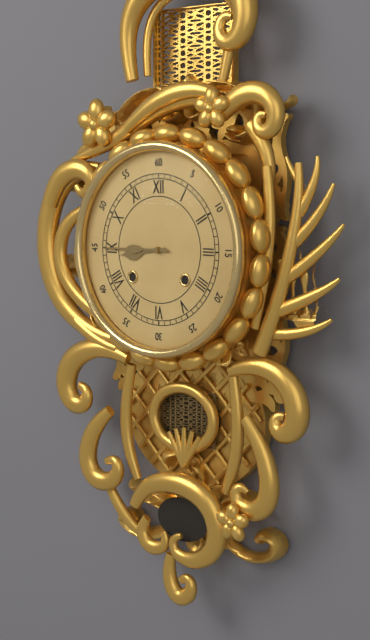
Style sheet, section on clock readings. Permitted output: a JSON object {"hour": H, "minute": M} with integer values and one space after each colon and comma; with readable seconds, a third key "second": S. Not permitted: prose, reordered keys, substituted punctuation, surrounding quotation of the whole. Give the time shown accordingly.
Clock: {"hour": 8, "minute": 45}
